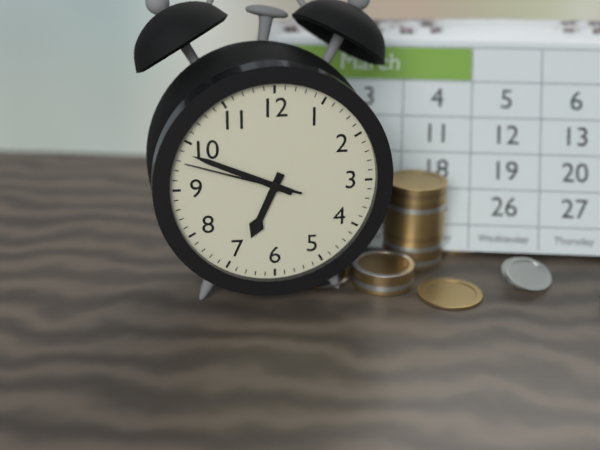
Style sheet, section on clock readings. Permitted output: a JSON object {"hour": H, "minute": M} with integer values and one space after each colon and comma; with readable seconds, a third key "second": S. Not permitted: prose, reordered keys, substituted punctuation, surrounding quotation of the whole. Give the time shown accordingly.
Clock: {"hour": 6, "minute": 49, "second": 48}
